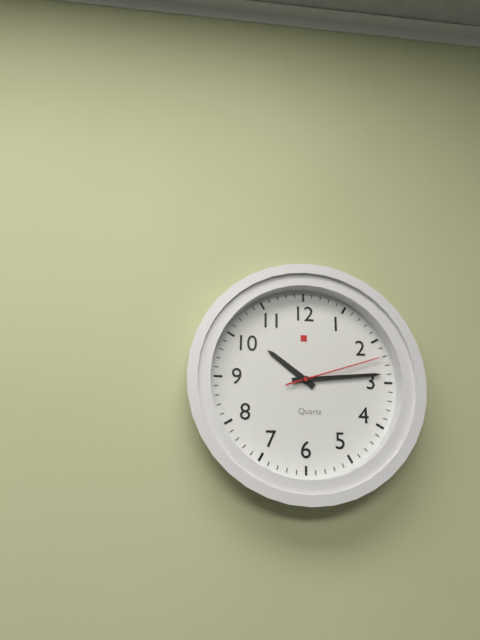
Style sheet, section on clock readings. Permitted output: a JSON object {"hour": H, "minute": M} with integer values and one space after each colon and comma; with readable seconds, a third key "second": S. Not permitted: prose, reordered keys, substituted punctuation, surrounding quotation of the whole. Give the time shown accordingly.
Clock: {"hour": 10, "minute": 14, "second": 12}
